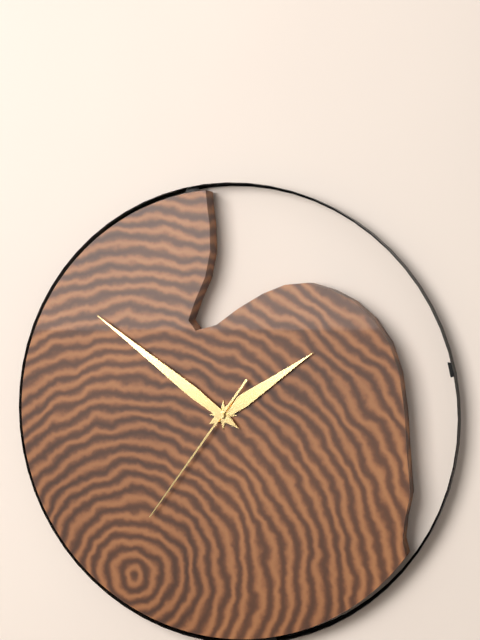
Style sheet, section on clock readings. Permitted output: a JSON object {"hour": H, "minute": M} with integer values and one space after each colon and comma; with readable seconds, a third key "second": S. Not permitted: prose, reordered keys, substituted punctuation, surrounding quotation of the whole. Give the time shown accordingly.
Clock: {"hour": 1, "minute": 51, "second": 36}
